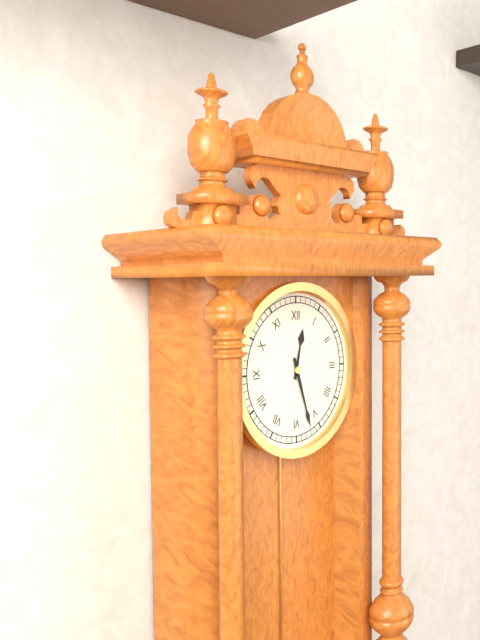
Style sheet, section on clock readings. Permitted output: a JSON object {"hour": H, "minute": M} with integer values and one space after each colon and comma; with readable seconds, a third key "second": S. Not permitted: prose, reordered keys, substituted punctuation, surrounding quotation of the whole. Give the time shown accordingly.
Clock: {"hour": 12, "minute": 27}
